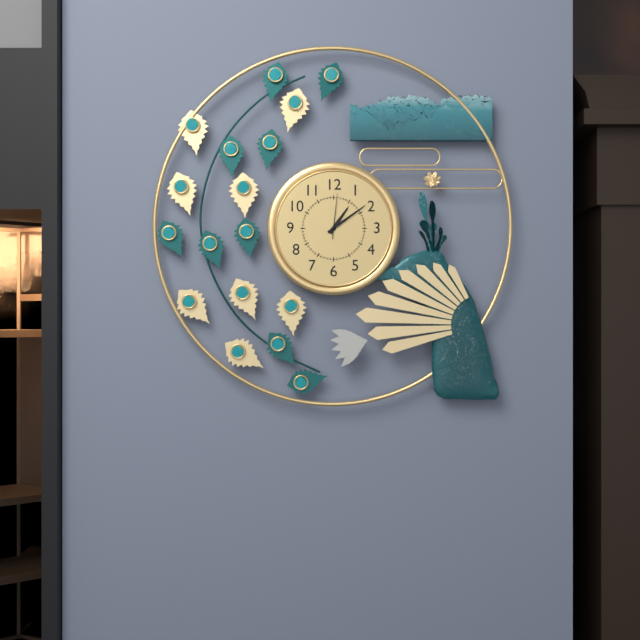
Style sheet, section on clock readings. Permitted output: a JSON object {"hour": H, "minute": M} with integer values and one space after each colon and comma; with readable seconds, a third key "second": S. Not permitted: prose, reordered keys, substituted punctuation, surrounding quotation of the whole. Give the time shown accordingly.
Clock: {"hour": 1, "minute": 9}
